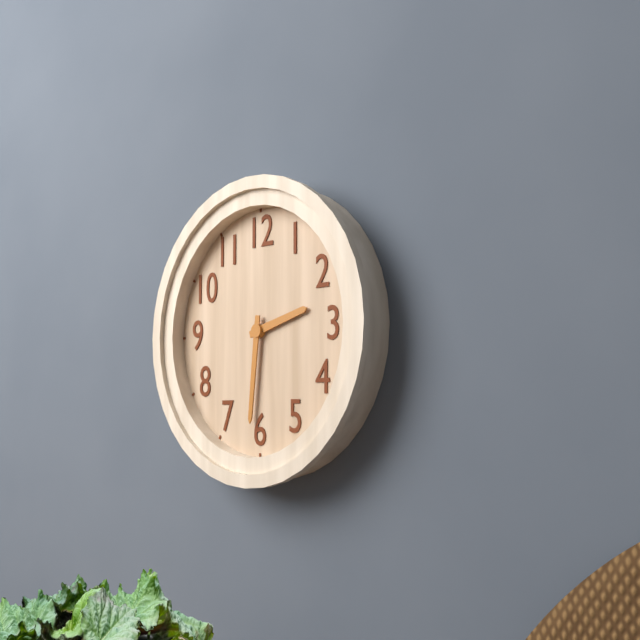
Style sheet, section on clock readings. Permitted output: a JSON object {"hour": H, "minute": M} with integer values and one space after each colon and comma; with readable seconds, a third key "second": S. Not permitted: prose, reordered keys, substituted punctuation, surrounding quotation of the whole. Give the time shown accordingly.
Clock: {"hour": 2, "minute": 31}
